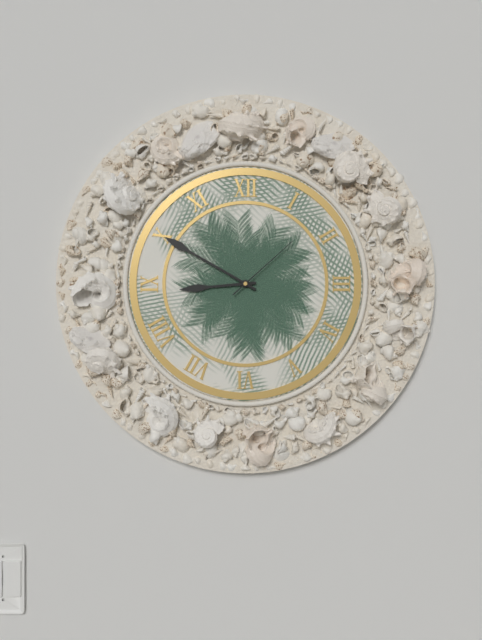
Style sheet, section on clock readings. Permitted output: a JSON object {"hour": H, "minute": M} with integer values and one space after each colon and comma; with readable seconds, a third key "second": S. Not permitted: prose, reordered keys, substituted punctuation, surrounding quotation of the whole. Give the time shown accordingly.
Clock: {"hour": 8, "minute": 50, "second": 8}
